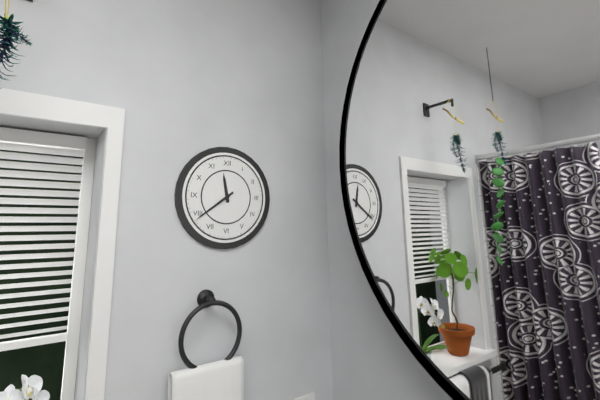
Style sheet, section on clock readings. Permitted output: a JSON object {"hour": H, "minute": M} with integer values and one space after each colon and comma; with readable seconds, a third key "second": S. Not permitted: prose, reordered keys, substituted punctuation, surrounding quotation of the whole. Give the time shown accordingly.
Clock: {"hour": 11, "minute": 39}
